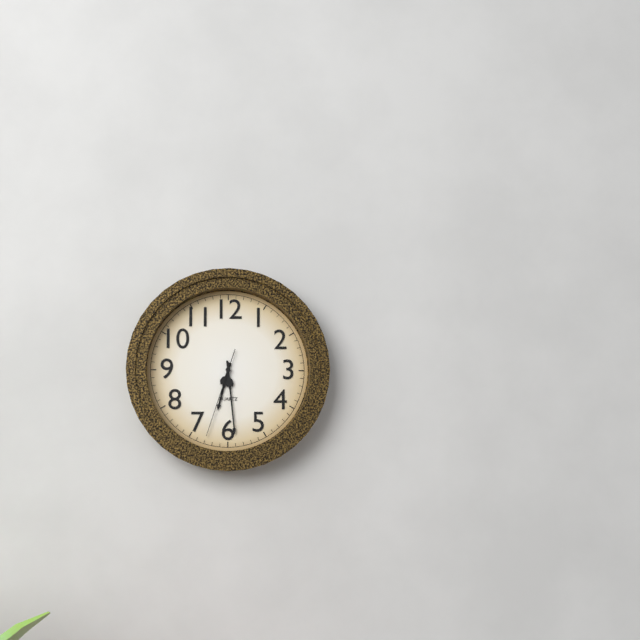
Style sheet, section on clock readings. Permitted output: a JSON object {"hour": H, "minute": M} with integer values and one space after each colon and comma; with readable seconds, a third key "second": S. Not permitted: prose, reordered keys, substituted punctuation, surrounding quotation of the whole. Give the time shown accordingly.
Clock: {"hour": 6, "minute": 29, "second": 33}
